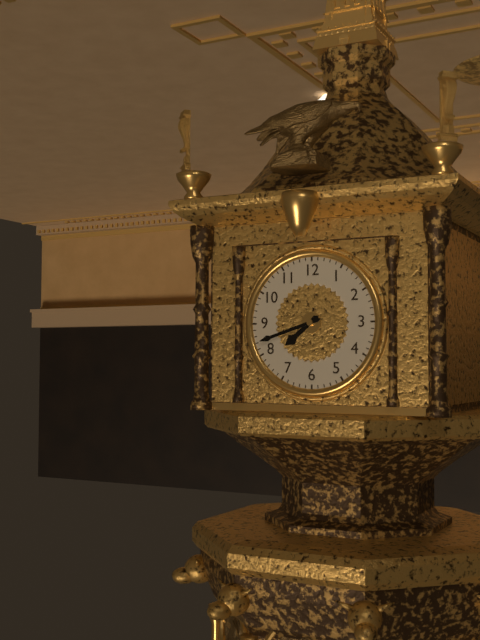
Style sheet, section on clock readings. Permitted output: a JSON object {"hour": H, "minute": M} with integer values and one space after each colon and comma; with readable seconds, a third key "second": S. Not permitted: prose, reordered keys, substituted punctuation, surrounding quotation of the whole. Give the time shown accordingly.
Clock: {"hour": 7, "minute": 42}
